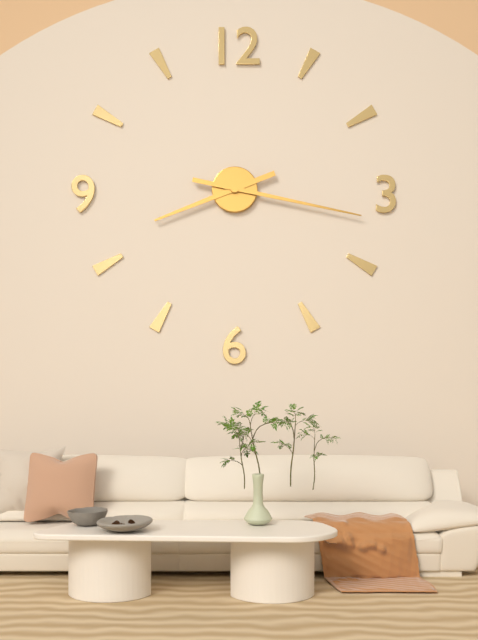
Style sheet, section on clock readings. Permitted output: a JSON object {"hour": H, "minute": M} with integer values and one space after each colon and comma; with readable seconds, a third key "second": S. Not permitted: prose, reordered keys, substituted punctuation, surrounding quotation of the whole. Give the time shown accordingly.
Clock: {"hour": 8, "minute": 17}
